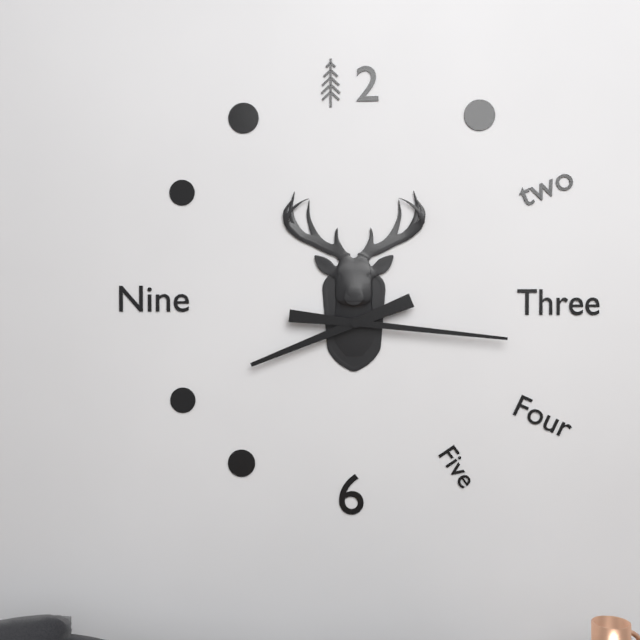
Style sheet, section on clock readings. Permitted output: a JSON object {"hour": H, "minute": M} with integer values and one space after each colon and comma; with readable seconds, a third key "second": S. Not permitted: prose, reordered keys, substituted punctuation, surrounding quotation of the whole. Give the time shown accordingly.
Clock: {"hour": 8, "minute": 16}
